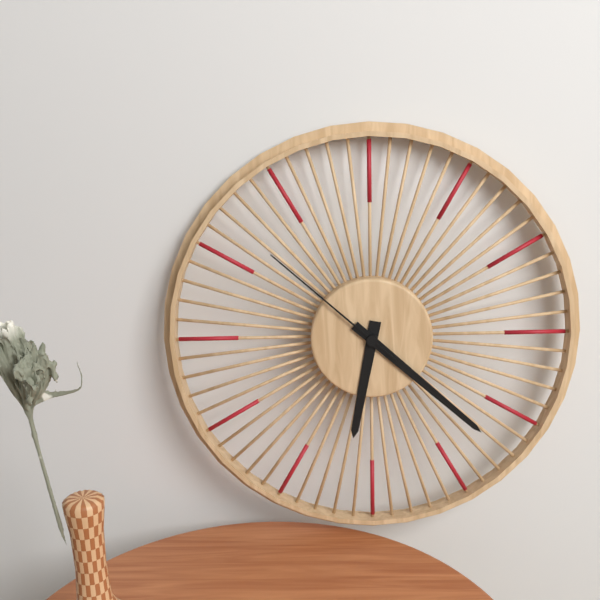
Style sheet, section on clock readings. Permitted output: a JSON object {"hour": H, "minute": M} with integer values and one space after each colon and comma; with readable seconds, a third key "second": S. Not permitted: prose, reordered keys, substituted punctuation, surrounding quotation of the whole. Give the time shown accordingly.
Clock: {"hour": 6, "minute": 22, "second": 52}
